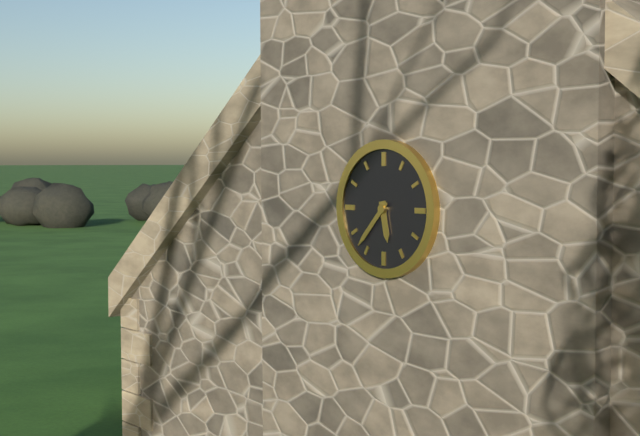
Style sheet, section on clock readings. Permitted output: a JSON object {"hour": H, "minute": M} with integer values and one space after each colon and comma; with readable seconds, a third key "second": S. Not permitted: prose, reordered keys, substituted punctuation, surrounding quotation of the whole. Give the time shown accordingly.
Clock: {"hour": 5, "minute": 37}
